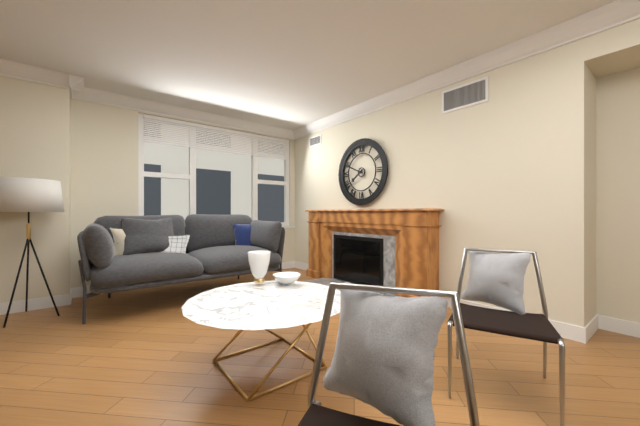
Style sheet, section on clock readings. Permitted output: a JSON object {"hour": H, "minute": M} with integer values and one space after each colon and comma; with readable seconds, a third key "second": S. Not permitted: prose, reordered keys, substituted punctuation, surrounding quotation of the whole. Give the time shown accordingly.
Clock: {"hour": 7, "minute": 49}
